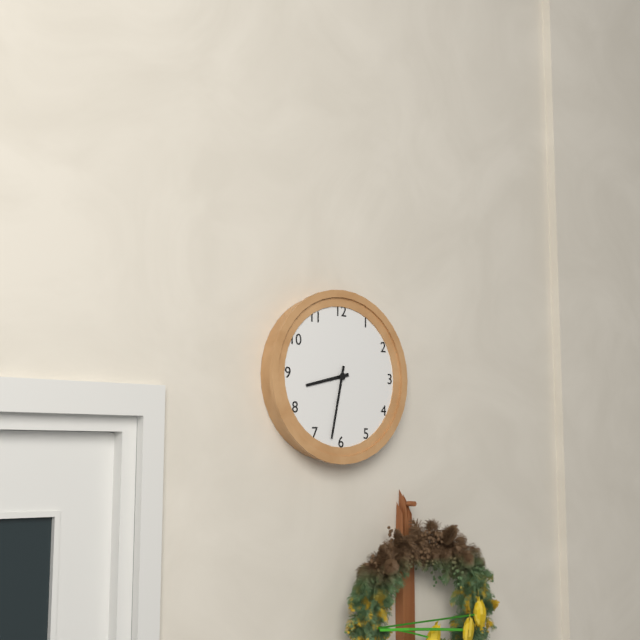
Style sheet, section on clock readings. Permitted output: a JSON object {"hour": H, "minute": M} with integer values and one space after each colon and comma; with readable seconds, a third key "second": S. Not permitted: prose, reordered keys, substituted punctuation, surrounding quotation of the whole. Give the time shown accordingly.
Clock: {"hour": 8, "minute": 32}
